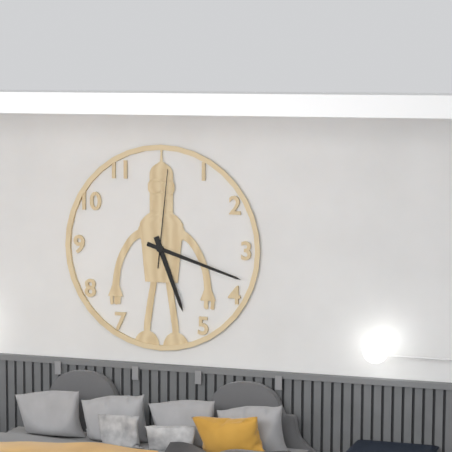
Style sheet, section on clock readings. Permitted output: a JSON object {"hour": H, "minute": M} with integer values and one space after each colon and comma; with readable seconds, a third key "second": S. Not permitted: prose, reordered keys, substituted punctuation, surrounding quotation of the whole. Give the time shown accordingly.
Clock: {"hour": 5, "minute": 18, "second": 1}
